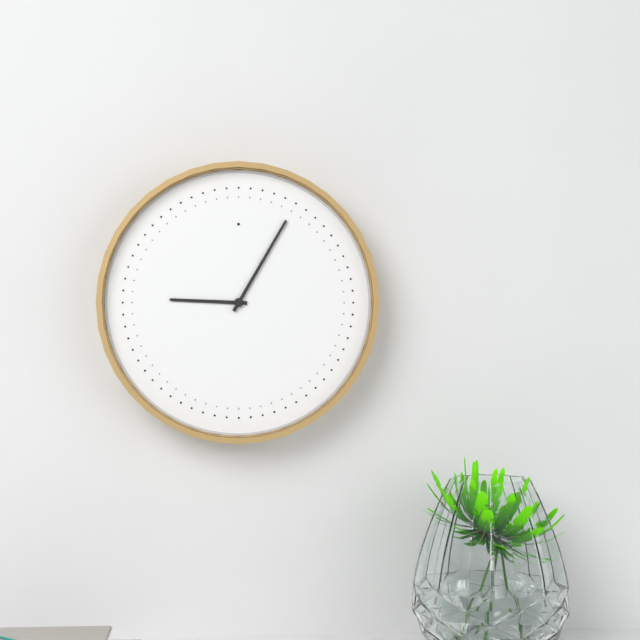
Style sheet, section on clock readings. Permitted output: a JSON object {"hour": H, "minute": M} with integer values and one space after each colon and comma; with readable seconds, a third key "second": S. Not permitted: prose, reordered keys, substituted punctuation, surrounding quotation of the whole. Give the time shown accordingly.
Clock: {"hour": 9, "minute": 5}
